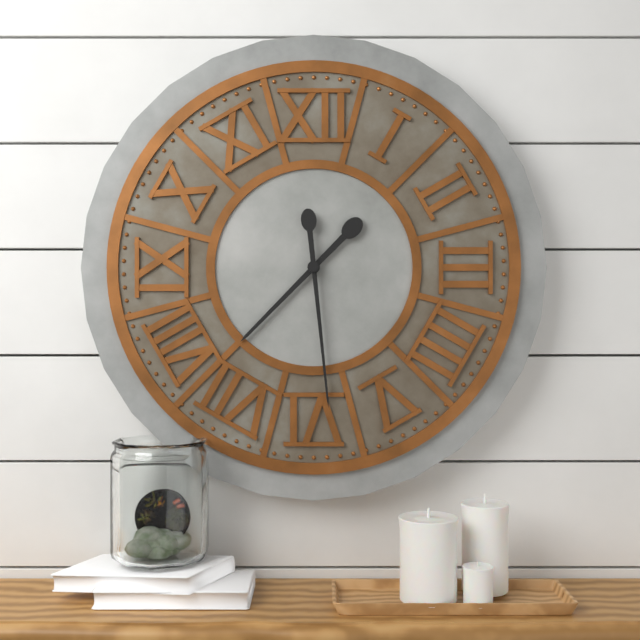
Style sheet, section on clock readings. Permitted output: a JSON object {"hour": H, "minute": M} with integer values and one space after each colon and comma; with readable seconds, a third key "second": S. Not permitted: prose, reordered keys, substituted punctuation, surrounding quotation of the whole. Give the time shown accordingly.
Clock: {"hour": 7, "minute": 29}
